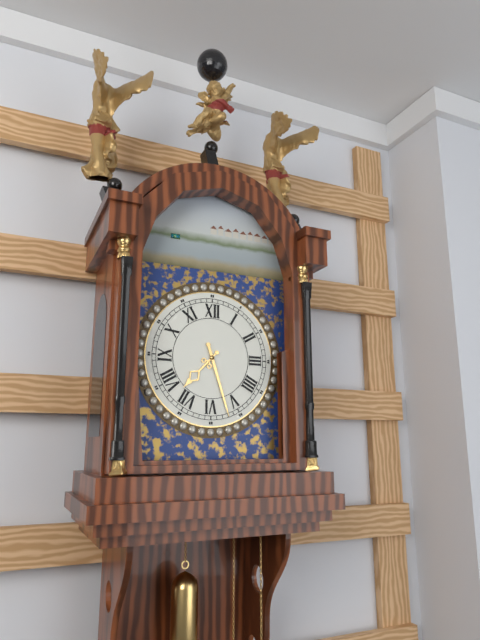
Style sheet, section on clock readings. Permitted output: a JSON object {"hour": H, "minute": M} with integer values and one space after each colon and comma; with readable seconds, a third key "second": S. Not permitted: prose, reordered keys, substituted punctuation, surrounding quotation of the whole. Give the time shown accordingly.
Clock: {"hour": 7, "minute": 27}
